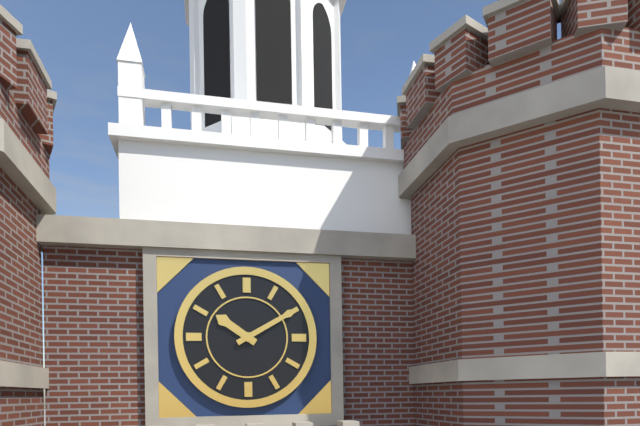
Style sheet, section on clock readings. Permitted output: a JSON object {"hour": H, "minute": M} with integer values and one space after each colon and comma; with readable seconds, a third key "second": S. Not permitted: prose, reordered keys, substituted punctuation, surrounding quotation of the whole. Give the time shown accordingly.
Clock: {"hour": 10, "minute": 10}
